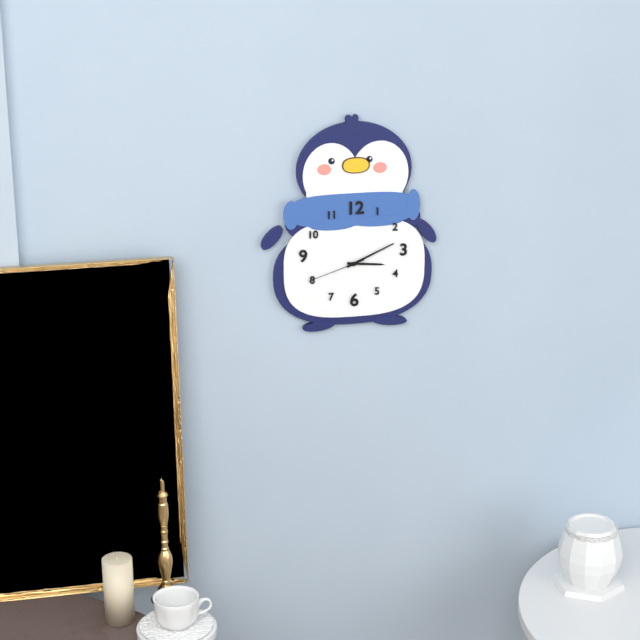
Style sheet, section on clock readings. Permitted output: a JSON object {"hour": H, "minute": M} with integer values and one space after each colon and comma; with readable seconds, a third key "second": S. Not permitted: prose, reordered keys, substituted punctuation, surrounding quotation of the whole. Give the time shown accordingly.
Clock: {"hour": 3, "minute": 11, "second": 42}
